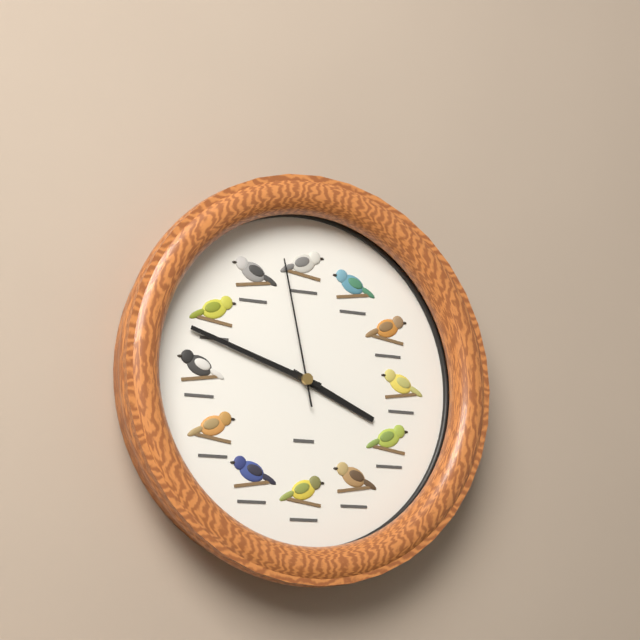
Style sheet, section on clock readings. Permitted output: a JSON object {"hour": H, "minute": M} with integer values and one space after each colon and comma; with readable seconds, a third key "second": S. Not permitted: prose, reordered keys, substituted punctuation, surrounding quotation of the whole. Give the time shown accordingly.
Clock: {"hour": 3, "minute": 48, "second": 58}
